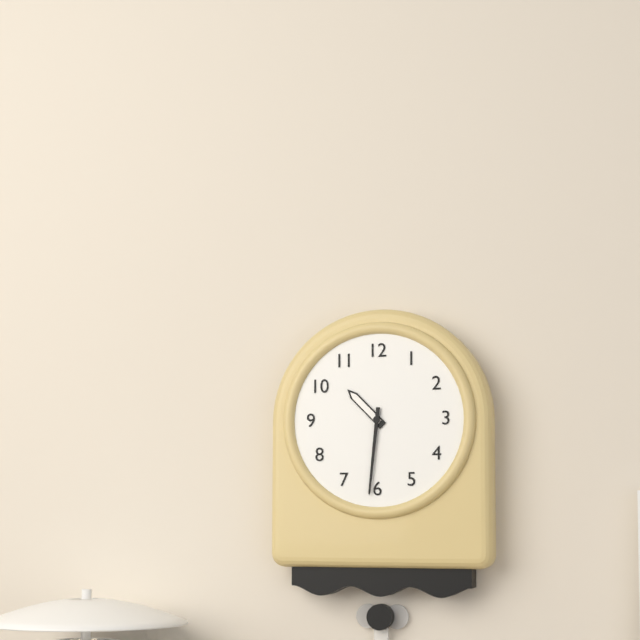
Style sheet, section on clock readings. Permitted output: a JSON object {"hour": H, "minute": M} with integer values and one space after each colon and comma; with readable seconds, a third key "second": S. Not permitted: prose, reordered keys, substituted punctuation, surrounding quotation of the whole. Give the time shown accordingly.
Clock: {"hour": 10, "minute": 31}
